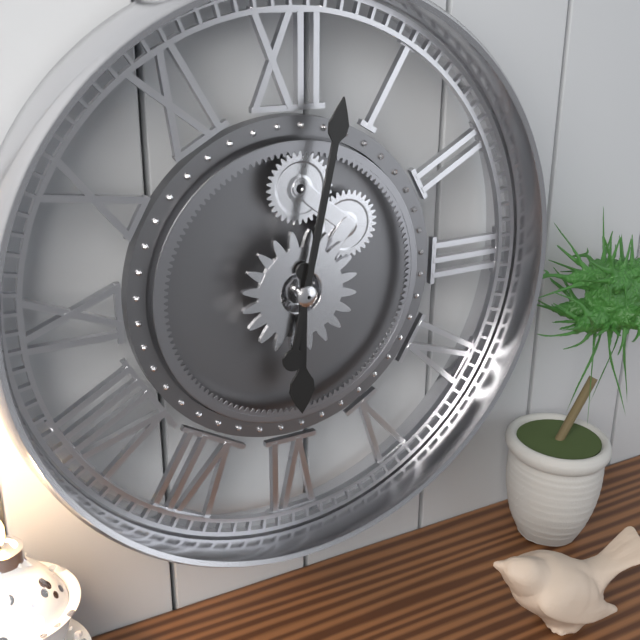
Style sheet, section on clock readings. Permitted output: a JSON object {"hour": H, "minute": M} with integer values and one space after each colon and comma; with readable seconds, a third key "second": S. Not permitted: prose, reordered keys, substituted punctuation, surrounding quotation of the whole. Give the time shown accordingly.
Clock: {"hour": 6, "minute": 2}
